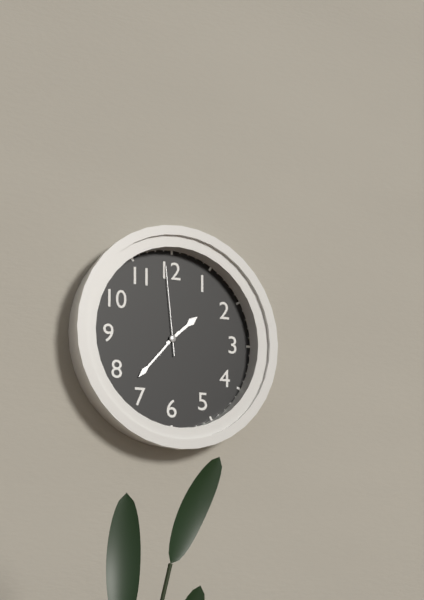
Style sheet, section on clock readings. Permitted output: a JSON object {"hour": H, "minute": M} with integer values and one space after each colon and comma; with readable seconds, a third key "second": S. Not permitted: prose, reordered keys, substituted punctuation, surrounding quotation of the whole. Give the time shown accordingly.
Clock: {"hour": 1, "minute": 37, "second": 59}
